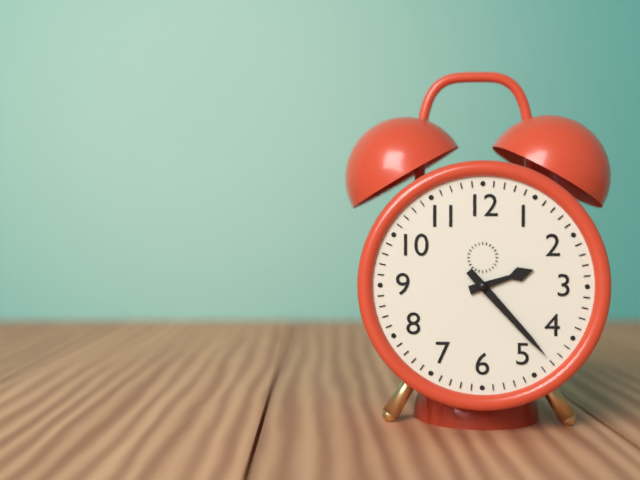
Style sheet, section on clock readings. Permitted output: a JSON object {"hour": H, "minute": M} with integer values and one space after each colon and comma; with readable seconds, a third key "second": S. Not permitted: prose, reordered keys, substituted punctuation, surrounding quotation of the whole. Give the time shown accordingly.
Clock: {"hour": 2, "minute": 23}
